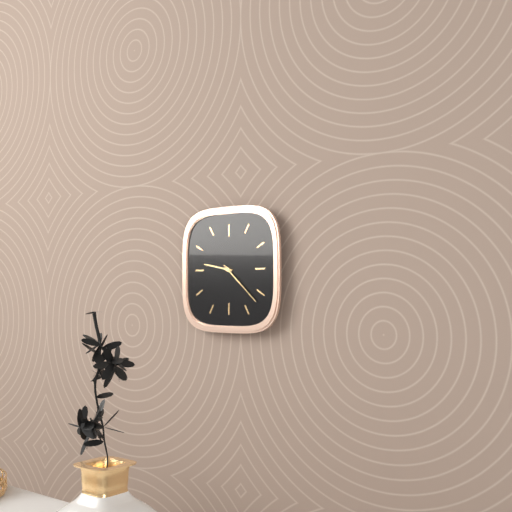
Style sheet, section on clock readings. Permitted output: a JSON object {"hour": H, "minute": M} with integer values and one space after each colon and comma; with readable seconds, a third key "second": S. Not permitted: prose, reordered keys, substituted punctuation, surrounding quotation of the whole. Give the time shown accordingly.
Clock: {"hour": 9, "minute": 22}
